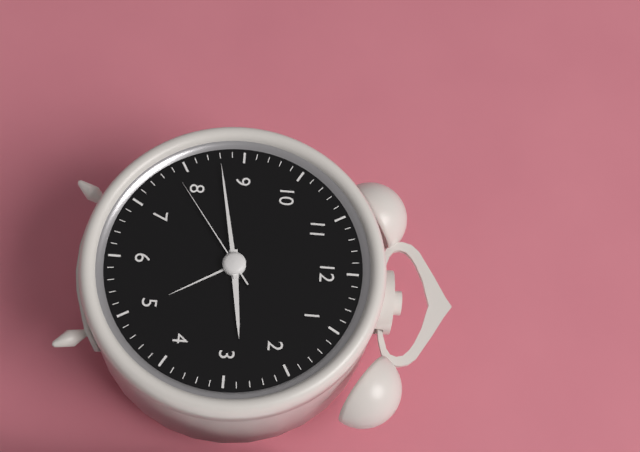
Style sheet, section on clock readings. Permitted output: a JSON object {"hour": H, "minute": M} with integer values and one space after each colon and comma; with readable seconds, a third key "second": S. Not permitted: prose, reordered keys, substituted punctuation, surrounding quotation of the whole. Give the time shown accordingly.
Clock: {"hour": 2, "minute": 43, "second": 39}
